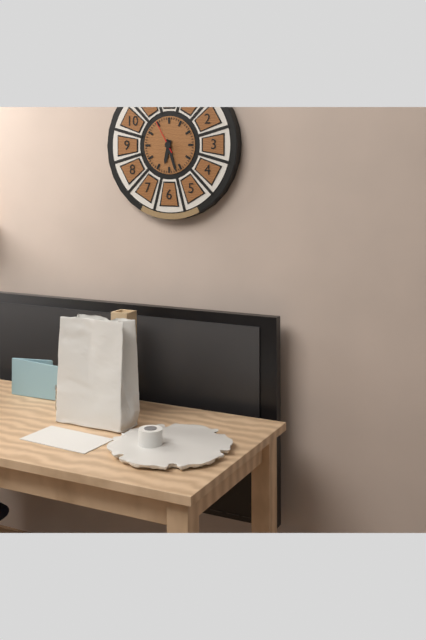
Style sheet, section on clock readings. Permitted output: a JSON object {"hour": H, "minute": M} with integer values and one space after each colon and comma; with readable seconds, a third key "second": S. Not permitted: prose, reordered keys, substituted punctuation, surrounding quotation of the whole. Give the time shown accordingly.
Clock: {"hour": 6, "minute": 27}
